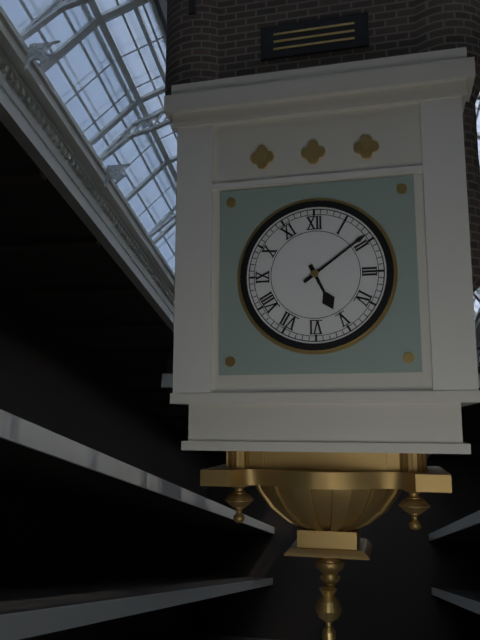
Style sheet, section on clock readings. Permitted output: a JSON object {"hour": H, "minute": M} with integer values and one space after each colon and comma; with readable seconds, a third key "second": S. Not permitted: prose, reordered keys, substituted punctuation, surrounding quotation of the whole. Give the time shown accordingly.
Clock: {"hour": 5, "minute": 9}
